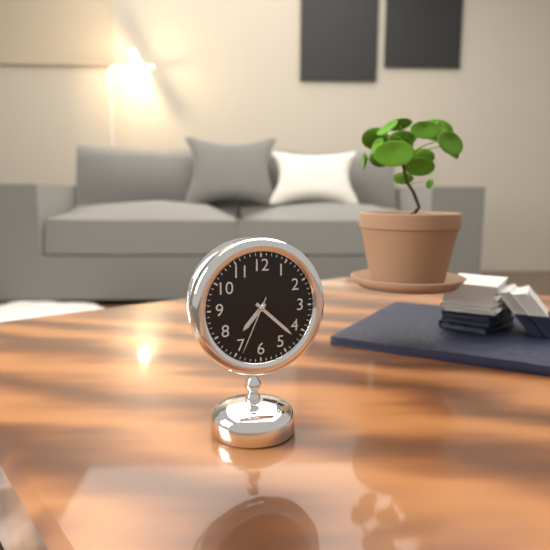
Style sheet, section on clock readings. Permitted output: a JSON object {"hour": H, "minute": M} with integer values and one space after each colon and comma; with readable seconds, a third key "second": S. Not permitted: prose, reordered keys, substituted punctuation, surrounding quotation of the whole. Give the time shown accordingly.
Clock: {"hour": 7, "minute": 22, "second": 34}
